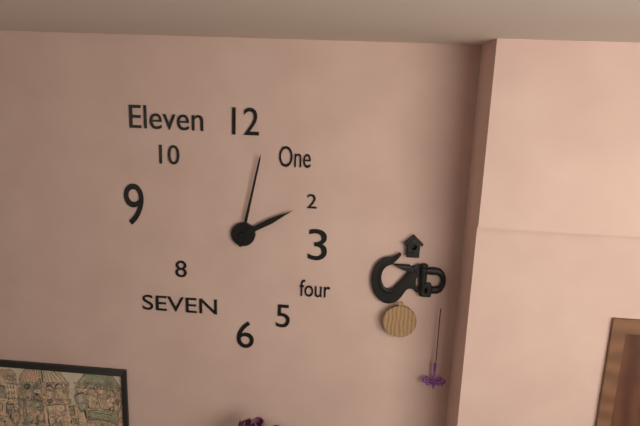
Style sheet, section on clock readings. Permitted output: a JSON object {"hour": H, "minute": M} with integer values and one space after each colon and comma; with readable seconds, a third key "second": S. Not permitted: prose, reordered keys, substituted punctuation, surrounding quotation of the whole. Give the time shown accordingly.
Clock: {"hour": 2, "minute": 2}
